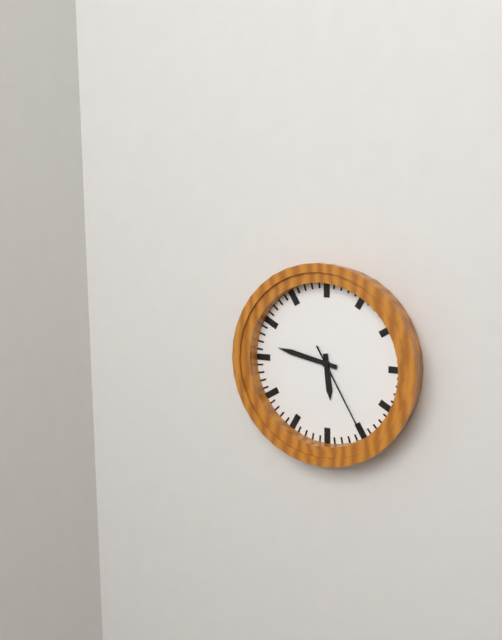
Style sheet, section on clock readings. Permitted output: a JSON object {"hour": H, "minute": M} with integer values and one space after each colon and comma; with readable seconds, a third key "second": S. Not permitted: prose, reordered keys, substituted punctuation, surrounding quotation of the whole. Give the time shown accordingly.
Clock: {"hour": 5, "minute": 47, "second": 25}
